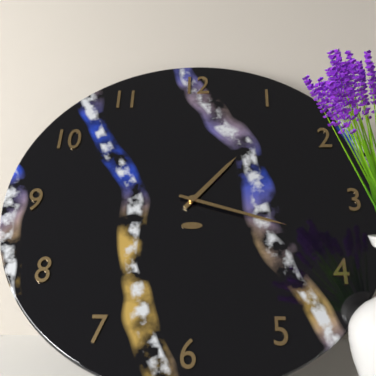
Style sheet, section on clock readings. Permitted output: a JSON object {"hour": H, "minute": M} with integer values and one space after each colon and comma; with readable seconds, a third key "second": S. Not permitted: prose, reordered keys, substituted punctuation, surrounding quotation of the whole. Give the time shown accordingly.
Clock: {"hour": 1, "minute": 18}
